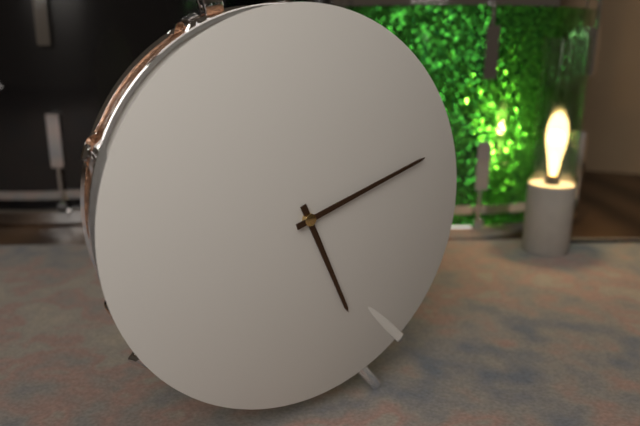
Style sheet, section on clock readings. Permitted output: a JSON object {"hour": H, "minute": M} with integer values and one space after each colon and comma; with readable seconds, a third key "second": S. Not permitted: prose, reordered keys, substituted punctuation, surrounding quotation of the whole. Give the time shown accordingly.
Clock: {"hour": 5, "minute": 12}
